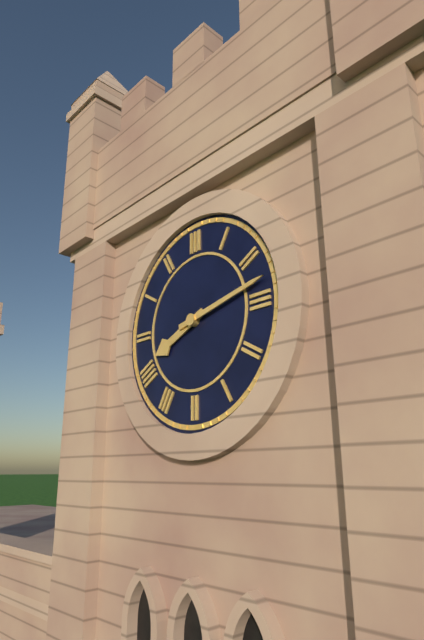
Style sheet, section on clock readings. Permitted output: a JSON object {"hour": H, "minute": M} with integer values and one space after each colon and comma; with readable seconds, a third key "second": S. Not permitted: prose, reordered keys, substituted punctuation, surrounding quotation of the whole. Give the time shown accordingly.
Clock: {"hour": 8, "minute": 13}
